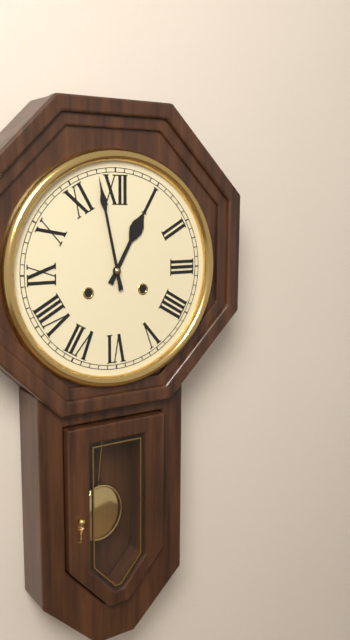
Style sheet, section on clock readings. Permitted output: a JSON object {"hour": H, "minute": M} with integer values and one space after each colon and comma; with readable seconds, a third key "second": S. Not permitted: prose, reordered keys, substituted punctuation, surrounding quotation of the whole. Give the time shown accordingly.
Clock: {"hour": 12, "minute": 58}
